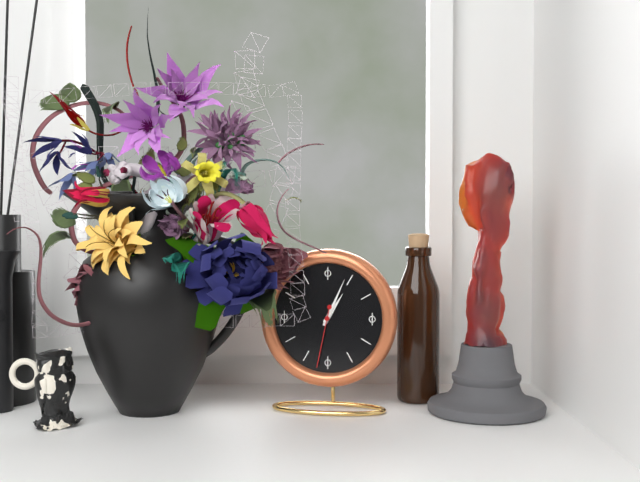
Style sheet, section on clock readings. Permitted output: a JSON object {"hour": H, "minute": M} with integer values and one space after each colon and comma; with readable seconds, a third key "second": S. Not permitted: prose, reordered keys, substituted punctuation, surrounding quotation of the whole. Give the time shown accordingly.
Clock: {"hour": 1, "minute": 4, "second": 32}
